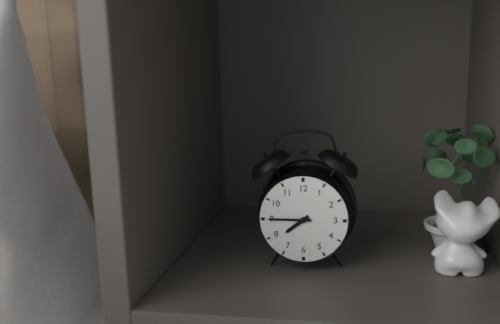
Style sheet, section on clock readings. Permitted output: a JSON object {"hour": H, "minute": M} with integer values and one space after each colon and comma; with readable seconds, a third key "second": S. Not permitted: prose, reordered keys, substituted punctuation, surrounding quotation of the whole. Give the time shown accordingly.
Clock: {"hour": 7, "minute": 45}
